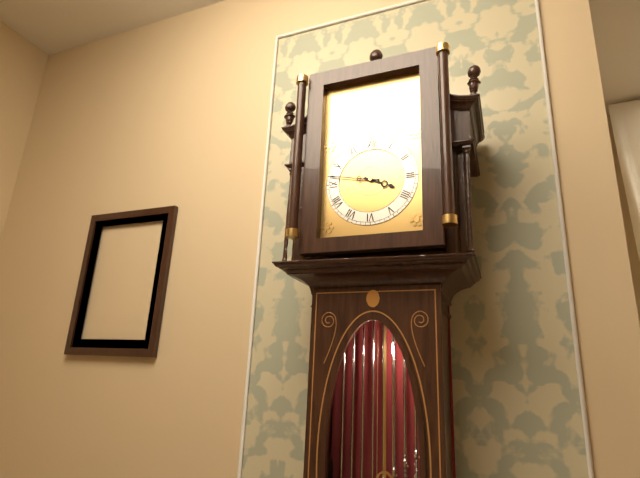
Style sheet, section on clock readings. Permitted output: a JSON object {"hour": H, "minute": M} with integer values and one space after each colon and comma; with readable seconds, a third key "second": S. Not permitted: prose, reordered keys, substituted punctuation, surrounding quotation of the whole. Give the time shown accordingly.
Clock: {"hour": 3, "minute": 47}
